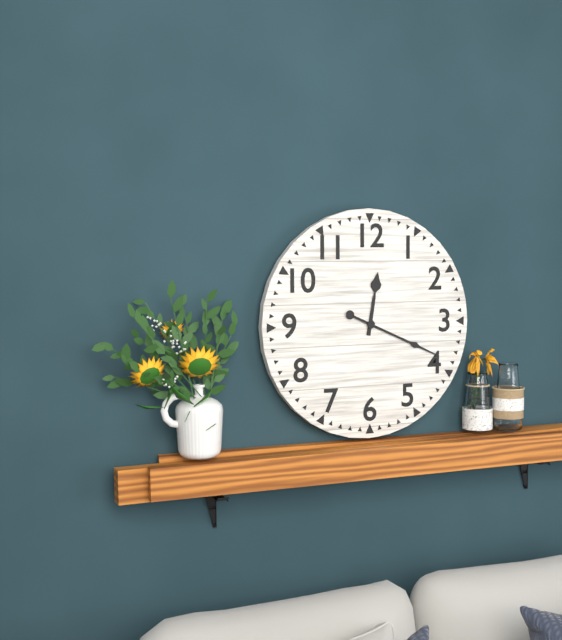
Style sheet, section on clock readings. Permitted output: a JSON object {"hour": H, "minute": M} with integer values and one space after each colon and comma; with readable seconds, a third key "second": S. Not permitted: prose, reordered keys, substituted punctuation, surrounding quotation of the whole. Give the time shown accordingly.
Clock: {"hour": 12, "minute": 19}
